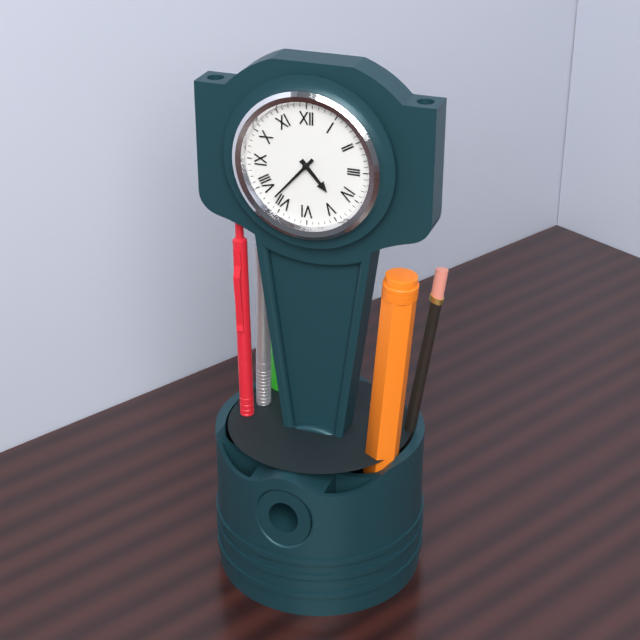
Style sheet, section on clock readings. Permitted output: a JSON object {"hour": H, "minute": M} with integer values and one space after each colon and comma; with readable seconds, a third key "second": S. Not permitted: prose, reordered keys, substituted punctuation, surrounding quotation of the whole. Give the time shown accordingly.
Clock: {"hour": 4, "minute": 37}
